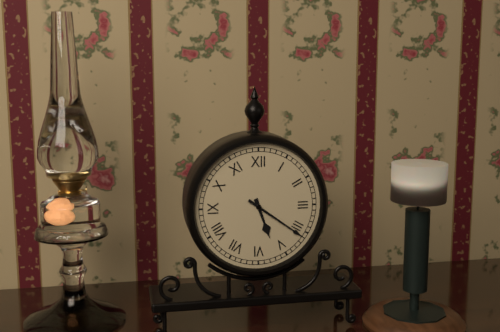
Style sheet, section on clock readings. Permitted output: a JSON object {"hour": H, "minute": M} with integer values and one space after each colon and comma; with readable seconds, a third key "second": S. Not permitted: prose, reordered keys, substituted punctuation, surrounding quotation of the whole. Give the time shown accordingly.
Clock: {"hour": 5, "minute": 21}
